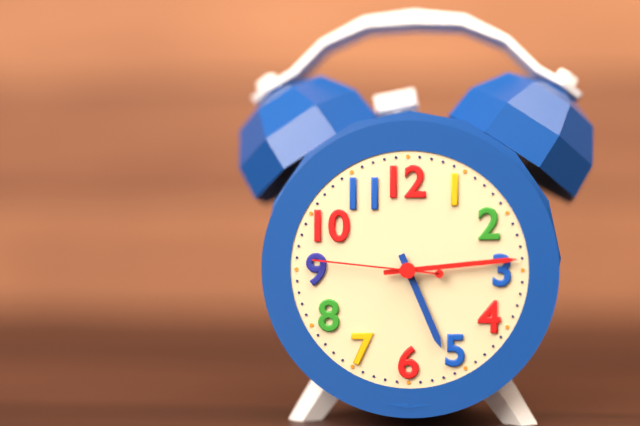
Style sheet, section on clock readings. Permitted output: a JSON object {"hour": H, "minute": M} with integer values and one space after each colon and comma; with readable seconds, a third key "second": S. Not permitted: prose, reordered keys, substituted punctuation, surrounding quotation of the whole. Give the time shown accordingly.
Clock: {"hour": 5, "minute": 14, "second": 46}
